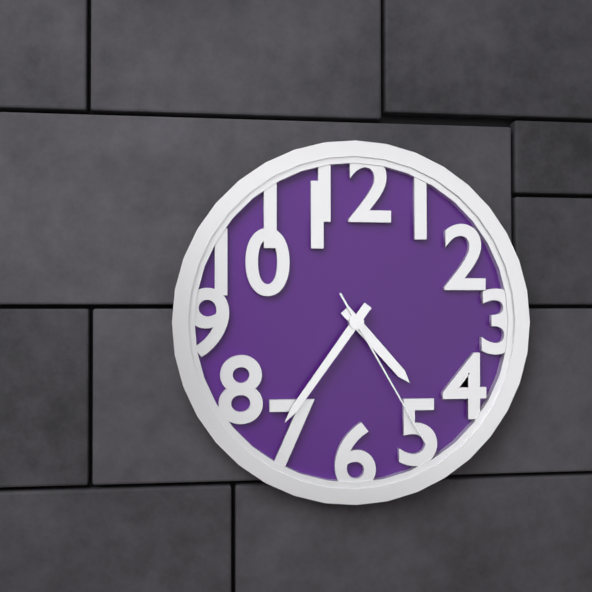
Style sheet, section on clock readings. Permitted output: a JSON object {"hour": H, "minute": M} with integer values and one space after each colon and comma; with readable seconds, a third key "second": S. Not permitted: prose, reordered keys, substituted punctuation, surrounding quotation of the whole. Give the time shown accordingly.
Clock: {"hour": 4, "minute": 36, "second": 25}
